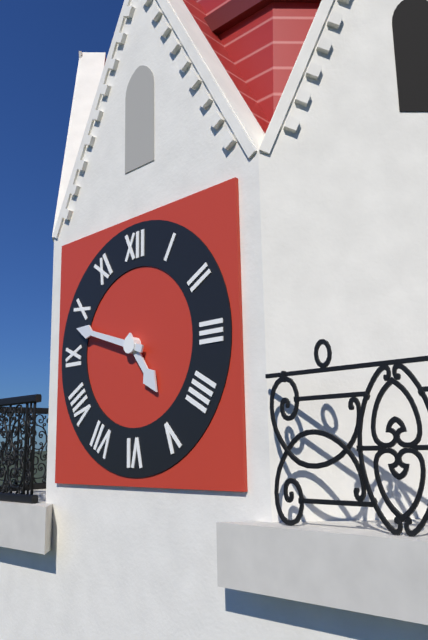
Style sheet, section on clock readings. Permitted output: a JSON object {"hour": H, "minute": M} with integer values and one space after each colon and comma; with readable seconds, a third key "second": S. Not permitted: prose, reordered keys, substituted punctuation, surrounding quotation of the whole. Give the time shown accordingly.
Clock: {"hour": 4, "minute": 48}
